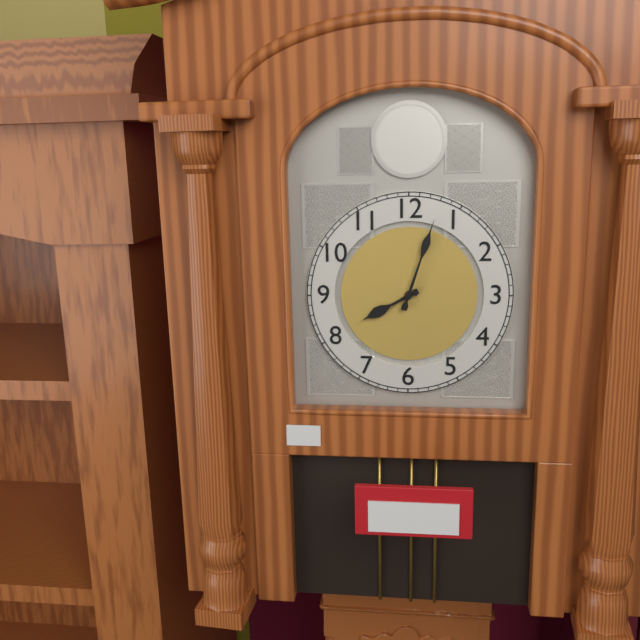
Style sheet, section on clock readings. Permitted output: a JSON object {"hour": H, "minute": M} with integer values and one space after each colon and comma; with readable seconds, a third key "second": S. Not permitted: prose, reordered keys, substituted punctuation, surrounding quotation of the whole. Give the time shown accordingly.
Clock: {"hour": 8, "minute": 3}
